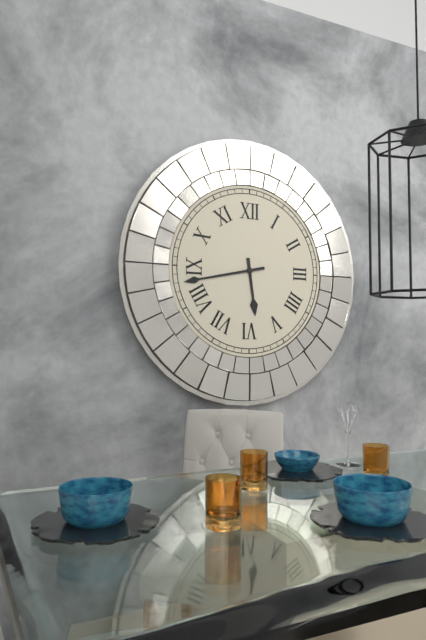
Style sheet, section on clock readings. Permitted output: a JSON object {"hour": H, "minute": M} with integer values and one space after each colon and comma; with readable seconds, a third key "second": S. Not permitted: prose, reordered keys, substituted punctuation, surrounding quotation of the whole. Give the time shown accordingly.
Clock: {"hour": 5, "minute": 43}
